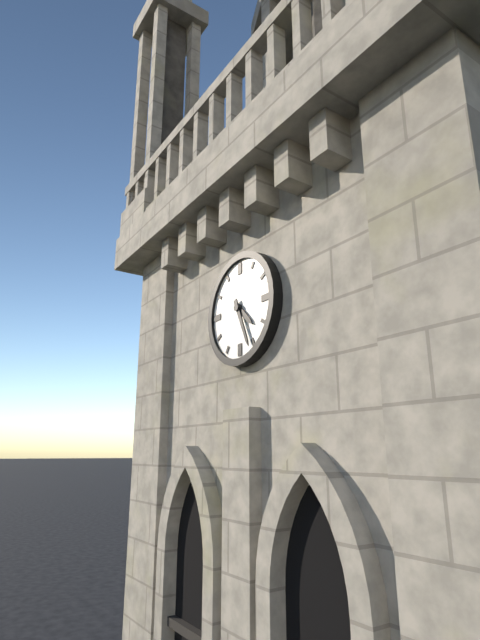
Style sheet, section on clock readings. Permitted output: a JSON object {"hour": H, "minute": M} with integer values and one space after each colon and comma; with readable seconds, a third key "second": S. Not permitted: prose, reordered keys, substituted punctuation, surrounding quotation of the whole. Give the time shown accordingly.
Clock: {"hour": 4, "minute": 26}
